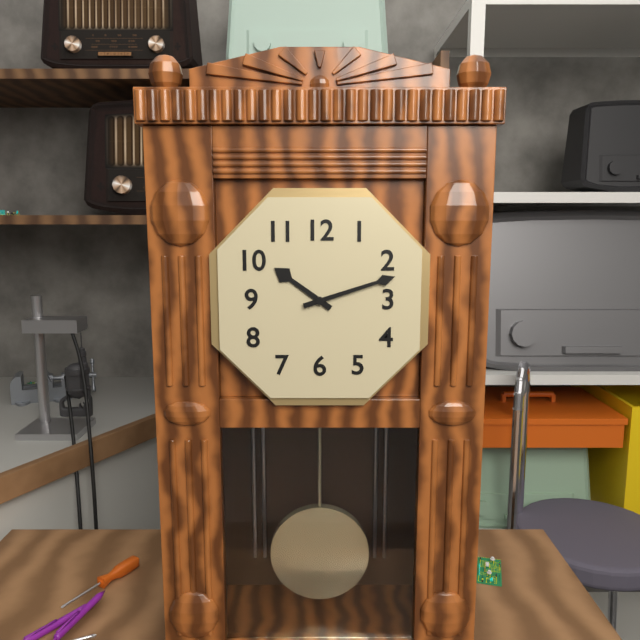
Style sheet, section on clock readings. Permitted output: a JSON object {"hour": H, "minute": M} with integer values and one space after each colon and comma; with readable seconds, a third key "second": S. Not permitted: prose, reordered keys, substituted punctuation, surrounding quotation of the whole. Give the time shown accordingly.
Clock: {"hour": 10, "minute": 12}
